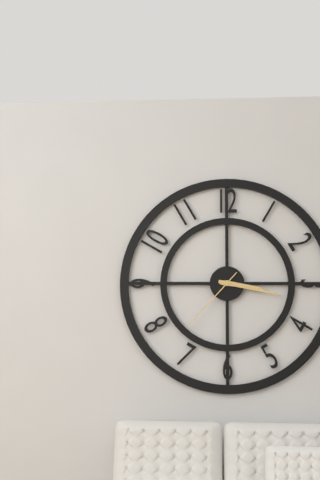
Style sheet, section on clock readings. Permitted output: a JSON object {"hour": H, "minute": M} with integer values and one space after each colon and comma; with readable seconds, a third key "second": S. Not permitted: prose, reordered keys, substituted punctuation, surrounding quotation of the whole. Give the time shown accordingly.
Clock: {"hour": 3, "minute": 17, "second": 37}
